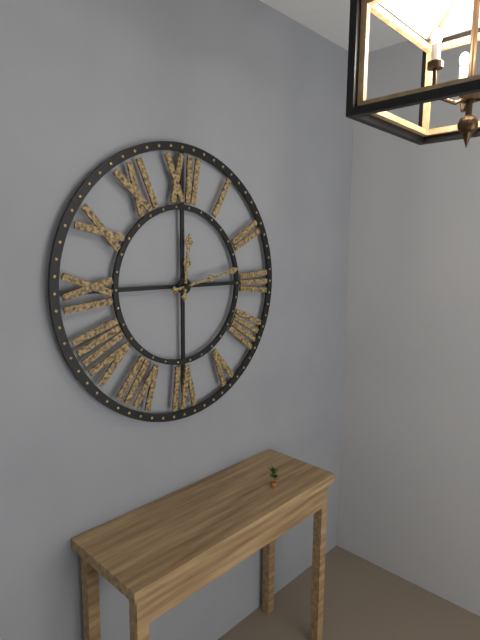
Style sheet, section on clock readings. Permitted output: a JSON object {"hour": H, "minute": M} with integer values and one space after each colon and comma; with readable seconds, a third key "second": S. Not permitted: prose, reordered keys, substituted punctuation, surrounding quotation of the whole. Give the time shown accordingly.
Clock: {"hour": 12, "minute": 13}
